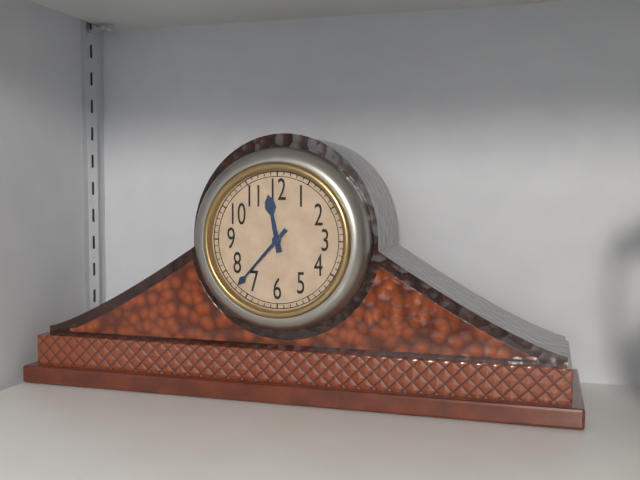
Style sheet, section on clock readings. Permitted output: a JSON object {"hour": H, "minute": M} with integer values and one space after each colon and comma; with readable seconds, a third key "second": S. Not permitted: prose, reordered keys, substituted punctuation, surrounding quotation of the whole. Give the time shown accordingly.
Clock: {"hour": 11, "minute": 37}
